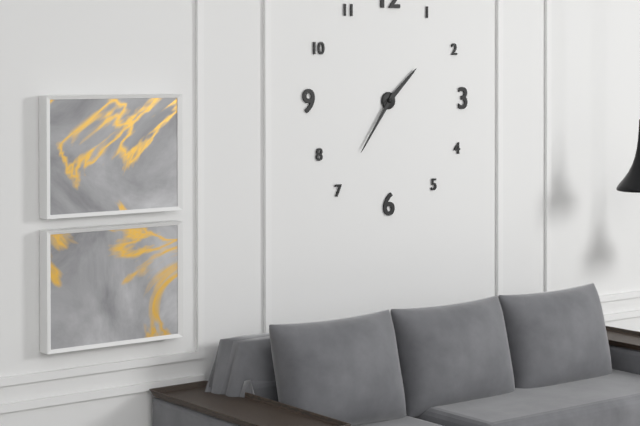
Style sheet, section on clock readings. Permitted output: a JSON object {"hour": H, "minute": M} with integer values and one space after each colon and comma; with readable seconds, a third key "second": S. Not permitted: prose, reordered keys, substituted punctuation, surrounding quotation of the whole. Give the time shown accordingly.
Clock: {"hour": 1, "minute": 36}
